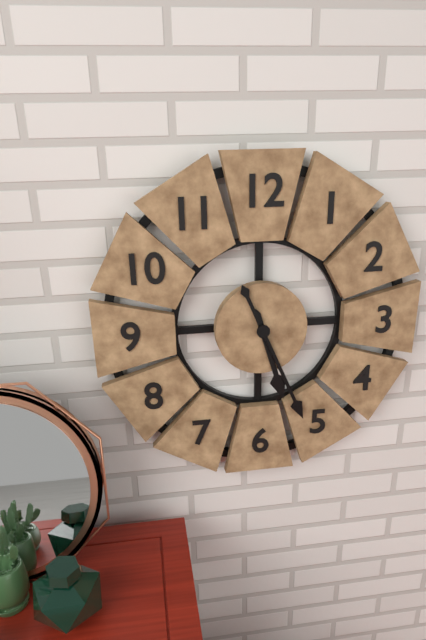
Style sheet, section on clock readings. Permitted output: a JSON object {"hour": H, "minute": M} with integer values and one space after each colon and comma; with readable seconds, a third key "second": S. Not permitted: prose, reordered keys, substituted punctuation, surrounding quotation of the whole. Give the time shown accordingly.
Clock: {"hour": 5, "minute": 26}
